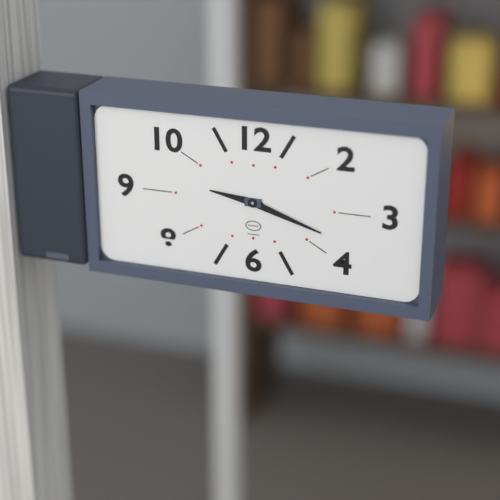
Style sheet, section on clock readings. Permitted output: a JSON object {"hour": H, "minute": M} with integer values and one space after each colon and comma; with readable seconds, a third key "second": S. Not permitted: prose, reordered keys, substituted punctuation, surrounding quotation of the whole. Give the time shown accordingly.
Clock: {"hour": 9, "minute": 18}
